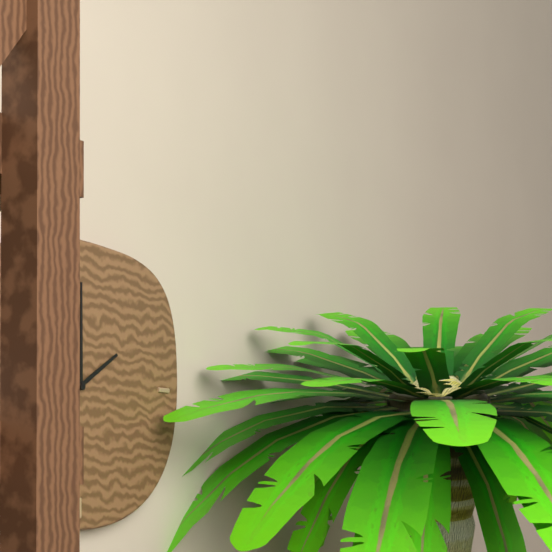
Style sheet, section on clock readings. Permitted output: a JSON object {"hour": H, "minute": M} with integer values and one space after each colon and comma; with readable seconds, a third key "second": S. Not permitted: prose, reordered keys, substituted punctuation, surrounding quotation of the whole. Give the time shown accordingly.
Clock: {"hour": 2, "minute": 0}
